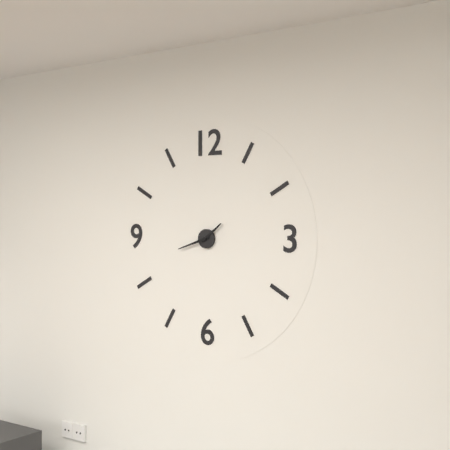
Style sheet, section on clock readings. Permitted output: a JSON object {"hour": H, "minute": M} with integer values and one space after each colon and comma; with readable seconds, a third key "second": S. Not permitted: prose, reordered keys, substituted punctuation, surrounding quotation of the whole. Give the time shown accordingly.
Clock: {"hour": 1, "minute": 42}
